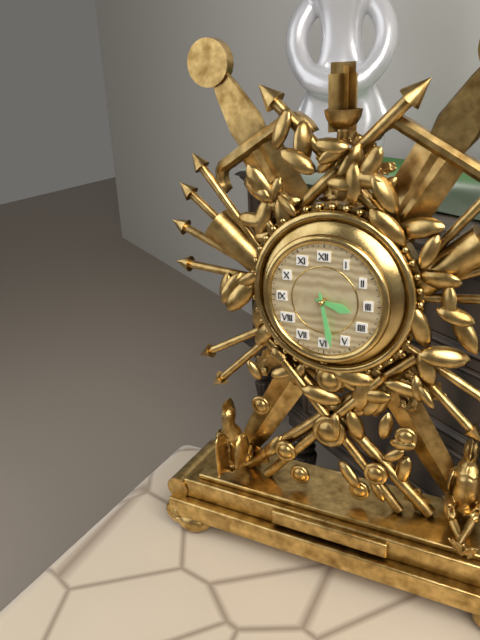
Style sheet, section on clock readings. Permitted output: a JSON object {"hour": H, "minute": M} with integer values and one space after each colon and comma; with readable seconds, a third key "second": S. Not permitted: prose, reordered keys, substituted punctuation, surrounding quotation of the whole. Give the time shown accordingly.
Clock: {"hour": 3, "minute": 28}
